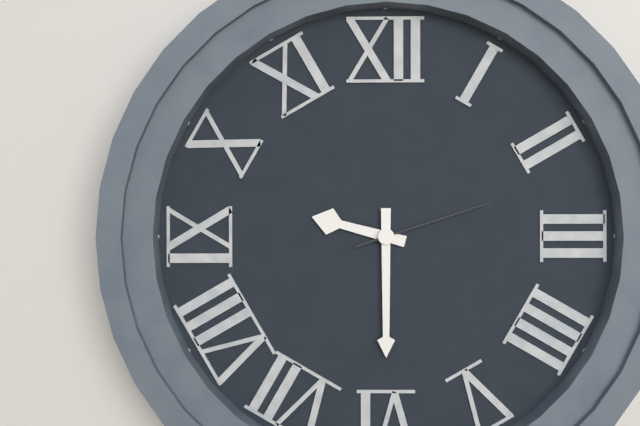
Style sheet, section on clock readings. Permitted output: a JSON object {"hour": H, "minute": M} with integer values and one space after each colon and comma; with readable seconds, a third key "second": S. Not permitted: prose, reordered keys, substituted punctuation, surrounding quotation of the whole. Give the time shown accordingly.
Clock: {"hour": 9, "minute": 30, "second": 12}
